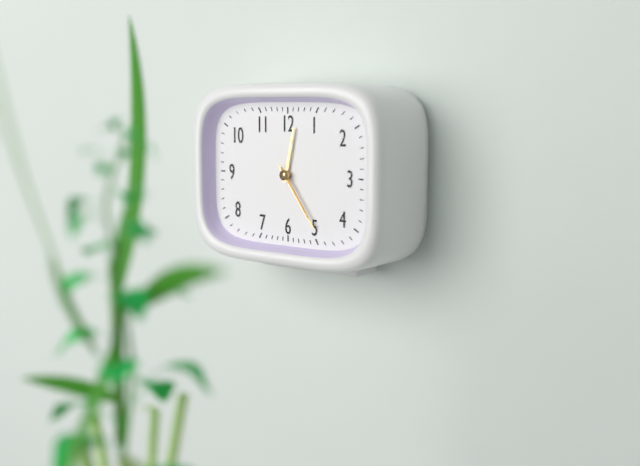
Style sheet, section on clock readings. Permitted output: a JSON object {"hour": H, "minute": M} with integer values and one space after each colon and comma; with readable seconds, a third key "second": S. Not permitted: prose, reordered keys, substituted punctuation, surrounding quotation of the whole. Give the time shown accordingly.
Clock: {"hour": 12, "minute": 24, "second": 24}
